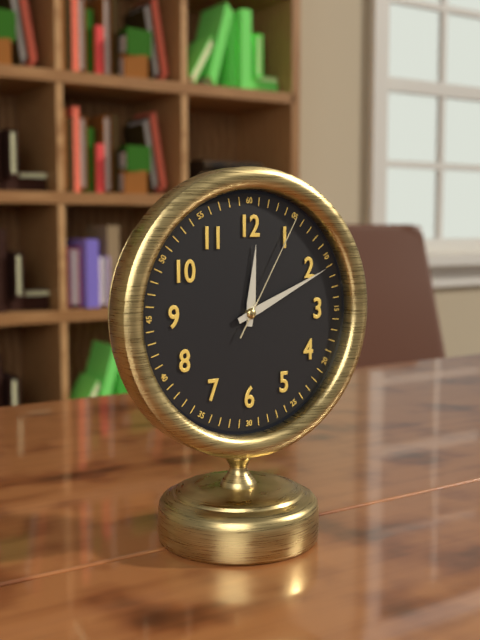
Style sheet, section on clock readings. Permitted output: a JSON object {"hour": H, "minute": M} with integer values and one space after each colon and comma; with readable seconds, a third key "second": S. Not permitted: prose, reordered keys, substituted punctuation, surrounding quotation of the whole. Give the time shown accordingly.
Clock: {"hour": 12, "minute": 11, "second": 5}
